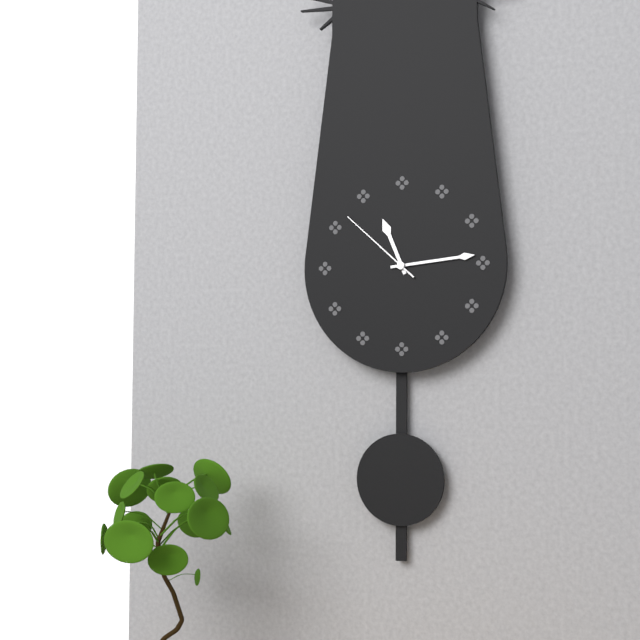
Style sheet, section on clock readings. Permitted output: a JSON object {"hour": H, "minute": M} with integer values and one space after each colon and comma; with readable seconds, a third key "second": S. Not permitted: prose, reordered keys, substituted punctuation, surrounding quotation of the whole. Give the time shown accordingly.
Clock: {"hour": 11, "minute": 14, "second": 52}
